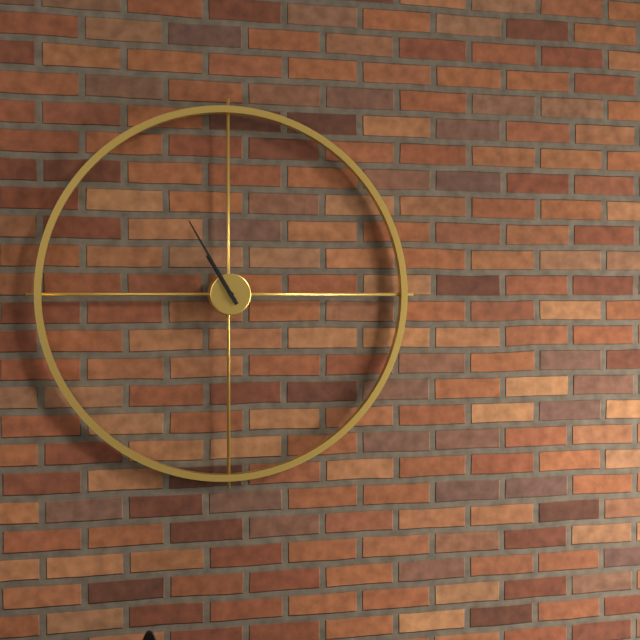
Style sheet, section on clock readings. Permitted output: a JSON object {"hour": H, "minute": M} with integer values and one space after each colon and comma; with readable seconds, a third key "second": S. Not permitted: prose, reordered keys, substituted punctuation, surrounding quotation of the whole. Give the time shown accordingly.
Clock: {"hour": 10, "minute": 55}
